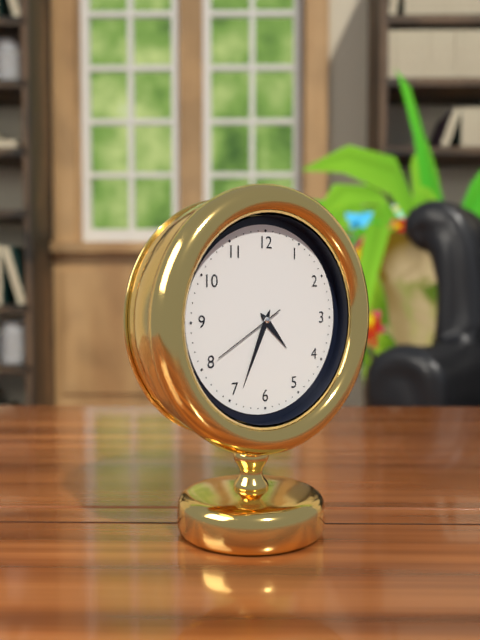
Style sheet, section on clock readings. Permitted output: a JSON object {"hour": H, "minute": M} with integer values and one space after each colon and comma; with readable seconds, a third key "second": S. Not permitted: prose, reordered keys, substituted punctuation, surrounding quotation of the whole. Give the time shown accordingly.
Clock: {"hour": 4, "minute": 34, "second": 40}
